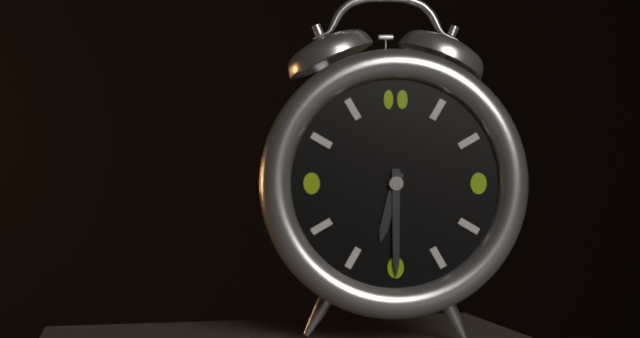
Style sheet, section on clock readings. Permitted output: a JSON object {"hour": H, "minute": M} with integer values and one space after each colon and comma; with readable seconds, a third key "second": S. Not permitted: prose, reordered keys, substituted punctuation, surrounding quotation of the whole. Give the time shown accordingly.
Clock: {"hour": 6, "minute": 30}
